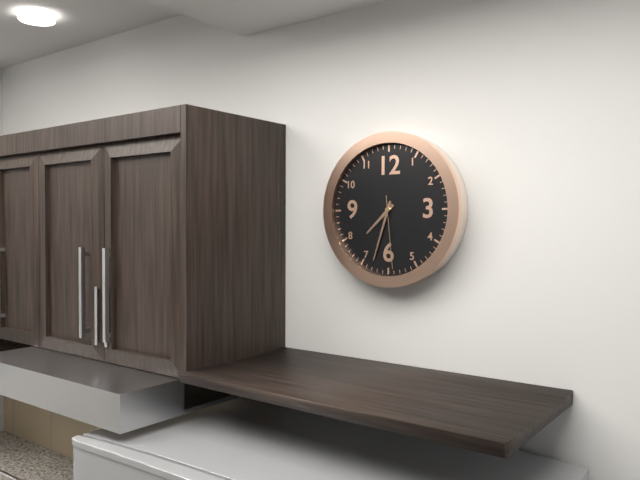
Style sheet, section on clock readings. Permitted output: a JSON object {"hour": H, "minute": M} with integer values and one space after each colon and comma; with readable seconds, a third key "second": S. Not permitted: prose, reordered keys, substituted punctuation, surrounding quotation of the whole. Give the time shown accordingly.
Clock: {"hour": 7, "minute": 33, "second": 29}
